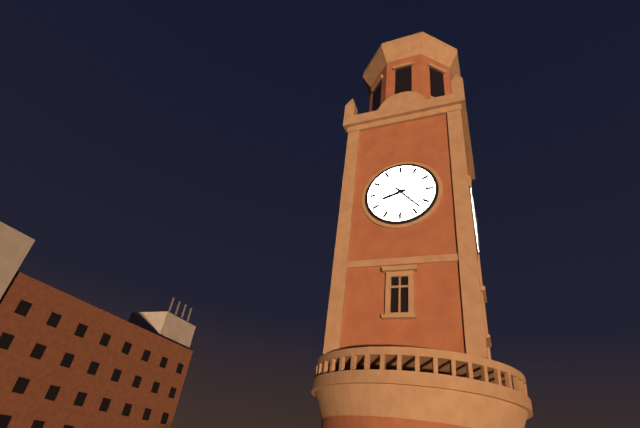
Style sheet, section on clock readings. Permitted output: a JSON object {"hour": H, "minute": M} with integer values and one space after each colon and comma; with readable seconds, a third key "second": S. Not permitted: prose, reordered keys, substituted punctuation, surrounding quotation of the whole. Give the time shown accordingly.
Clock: {"hour": 8, "minute": 23}
